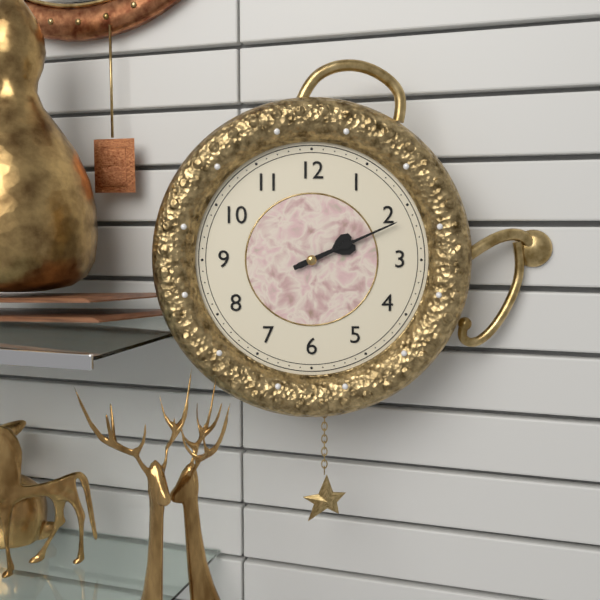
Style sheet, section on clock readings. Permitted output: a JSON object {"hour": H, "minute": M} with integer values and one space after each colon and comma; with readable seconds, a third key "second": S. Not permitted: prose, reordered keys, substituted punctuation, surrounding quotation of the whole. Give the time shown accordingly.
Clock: {"hour": 2, "minute": 11}
